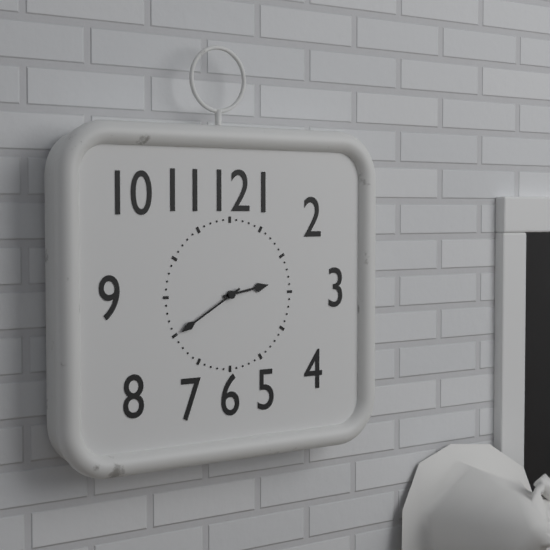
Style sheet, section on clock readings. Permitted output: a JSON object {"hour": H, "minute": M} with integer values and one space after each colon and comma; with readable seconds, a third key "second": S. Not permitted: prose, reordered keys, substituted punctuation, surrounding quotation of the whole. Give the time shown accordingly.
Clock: {"hour": 2, "minute": 40}
